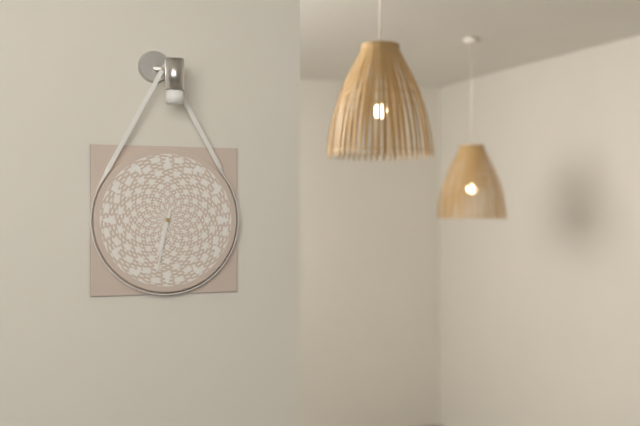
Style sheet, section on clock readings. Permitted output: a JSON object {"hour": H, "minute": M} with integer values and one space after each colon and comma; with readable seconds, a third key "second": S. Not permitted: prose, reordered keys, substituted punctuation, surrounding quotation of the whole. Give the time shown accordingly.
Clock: {"hour": 6, "minute": 32}
